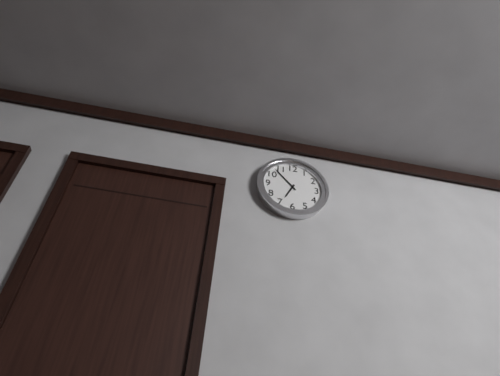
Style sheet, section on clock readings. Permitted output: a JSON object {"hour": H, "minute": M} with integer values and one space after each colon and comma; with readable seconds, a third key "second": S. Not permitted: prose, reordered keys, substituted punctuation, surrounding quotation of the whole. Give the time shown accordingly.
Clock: {"hour": 6, "minute": 53}
